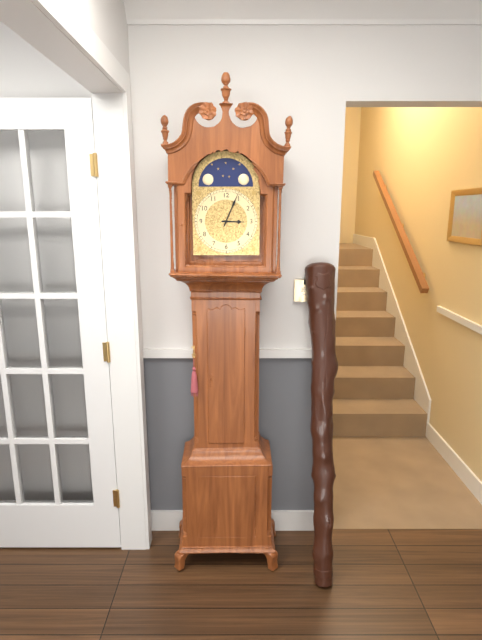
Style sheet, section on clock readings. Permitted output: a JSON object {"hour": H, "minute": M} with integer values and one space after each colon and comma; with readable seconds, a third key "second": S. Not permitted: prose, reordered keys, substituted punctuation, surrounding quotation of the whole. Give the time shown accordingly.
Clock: {"hour": 3, "minute": 4}
